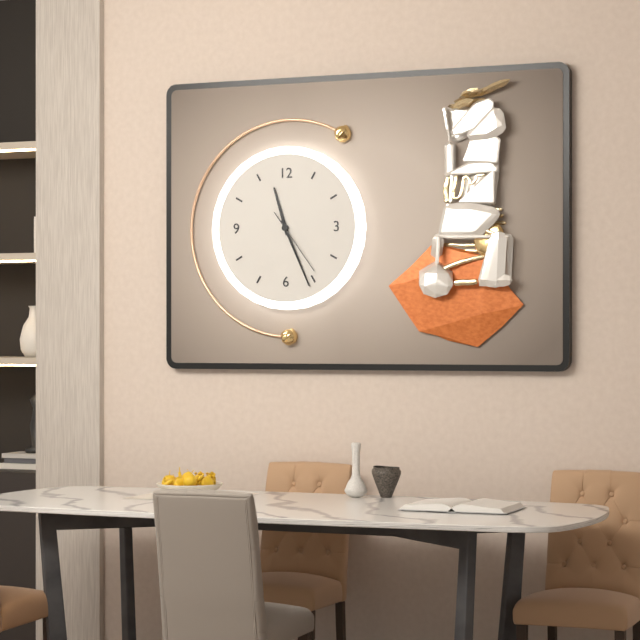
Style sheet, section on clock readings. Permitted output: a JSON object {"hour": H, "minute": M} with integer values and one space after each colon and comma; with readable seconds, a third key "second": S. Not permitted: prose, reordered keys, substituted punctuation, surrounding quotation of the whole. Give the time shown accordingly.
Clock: {"hour": 11, "minute": 26, "second": 24}
